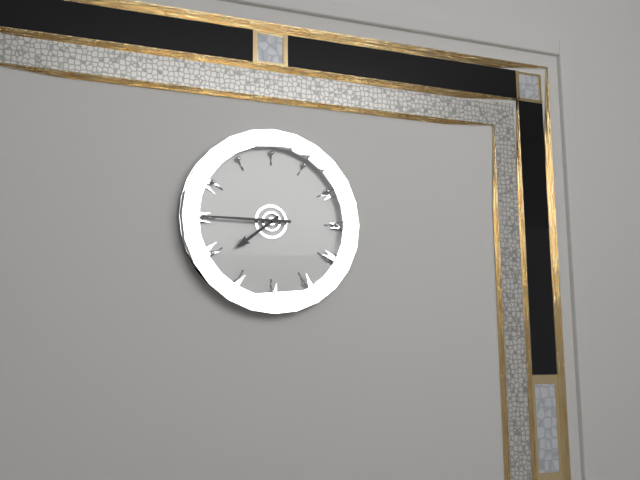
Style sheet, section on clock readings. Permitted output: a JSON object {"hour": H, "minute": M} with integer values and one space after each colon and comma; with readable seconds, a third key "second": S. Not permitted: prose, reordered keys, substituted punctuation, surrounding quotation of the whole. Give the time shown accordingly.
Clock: {"hour": 7, "minute": 45}
